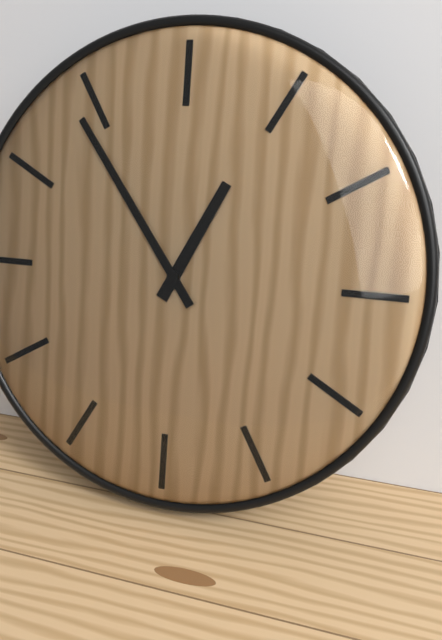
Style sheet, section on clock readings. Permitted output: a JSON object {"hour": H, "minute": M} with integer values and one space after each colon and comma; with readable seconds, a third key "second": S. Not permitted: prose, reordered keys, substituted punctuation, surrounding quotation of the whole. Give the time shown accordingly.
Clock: {"hour": 12, "minute": 54}
